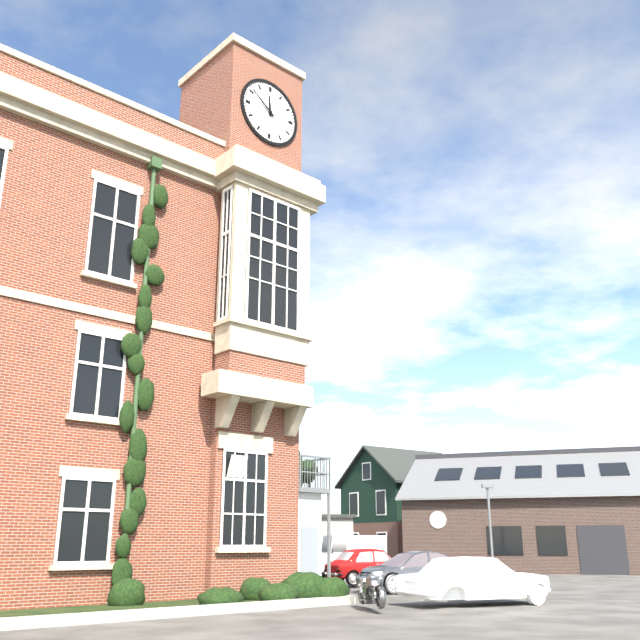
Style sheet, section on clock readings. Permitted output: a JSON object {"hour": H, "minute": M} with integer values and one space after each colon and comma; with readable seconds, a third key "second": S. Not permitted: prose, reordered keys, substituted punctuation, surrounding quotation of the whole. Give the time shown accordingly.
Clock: {"hour": 11, "minute": 51}
